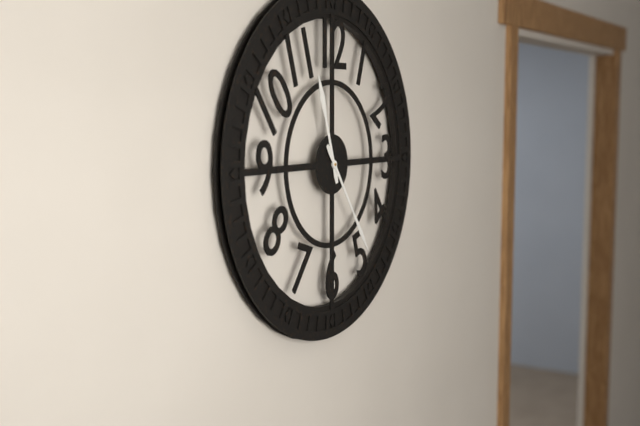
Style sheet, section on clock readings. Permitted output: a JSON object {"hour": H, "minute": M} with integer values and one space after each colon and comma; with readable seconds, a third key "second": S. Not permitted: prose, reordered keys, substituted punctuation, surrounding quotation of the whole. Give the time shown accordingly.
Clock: {"hour": 11, "minute": 24}
